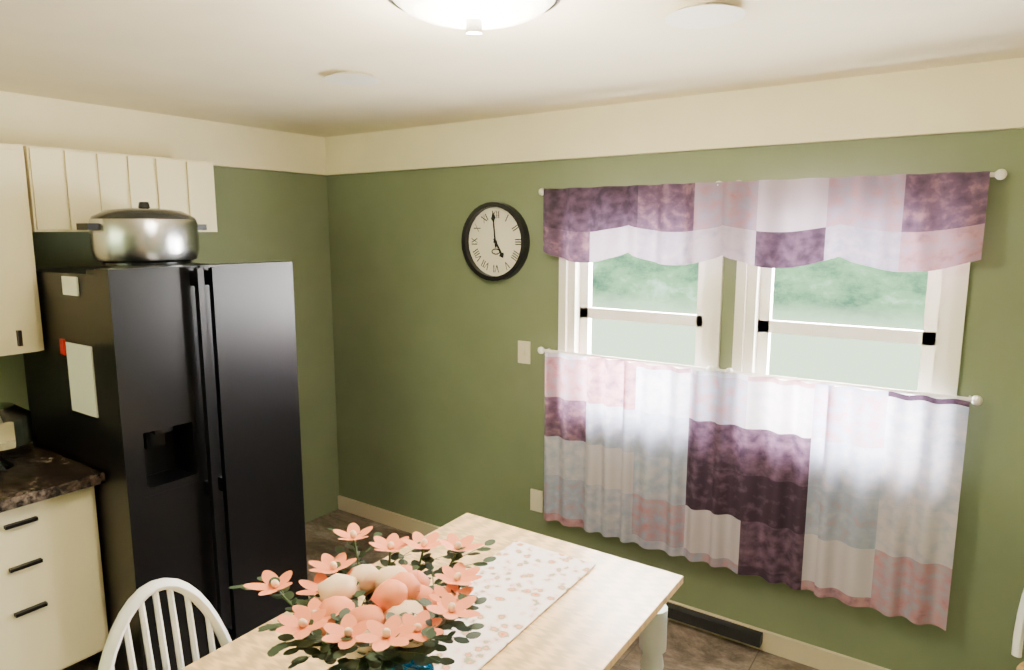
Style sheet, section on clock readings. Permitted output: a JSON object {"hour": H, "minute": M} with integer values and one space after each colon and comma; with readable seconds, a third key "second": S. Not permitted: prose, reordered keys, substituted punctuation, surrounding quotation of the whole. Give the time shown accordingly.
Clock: {"hour": 4, "minute": 59}
